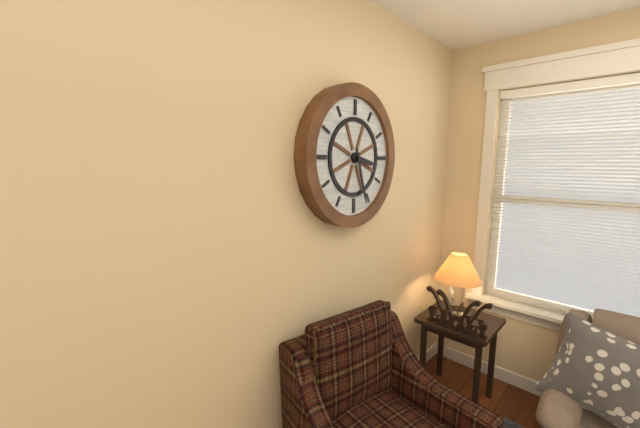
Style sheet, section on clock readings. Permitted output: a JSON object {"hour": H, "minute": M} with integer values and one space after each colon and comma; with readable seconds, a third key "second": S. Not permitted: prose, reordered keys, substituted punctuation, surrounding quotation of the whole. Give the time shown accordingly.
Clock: {"hour": 3, "minute": 27}
